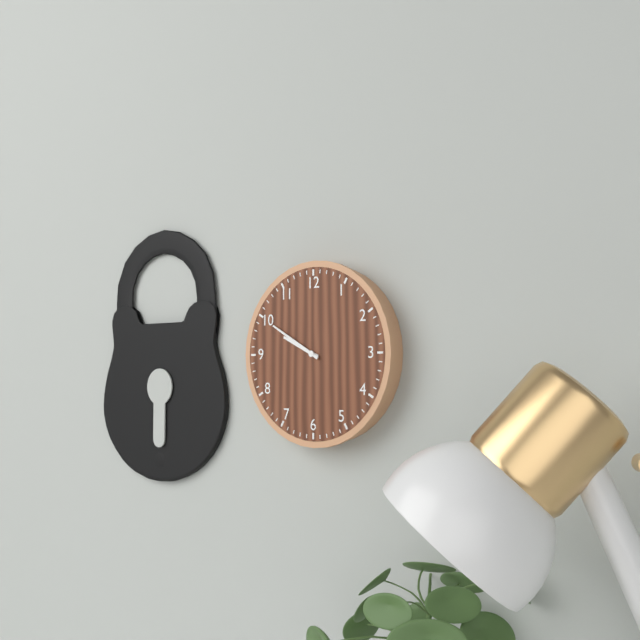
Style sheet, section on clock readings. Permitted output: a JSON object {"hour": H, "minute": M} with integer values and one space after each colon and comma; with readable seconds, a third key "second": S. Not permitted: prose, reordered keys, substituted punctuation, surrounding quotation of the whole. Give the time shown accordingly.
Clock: {"hour": 9, "minute": 50}
